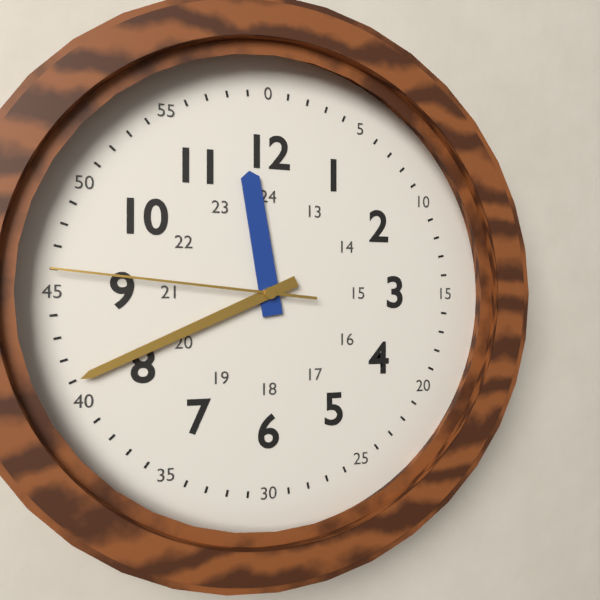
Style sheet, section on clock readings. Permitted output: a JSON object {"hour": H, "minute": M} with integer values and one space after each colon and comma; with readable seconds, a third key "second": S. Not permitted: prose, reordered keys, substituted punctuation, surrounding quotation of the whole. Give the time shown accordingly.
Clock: {"hour": 11, "minute": 41, "second": 46}
